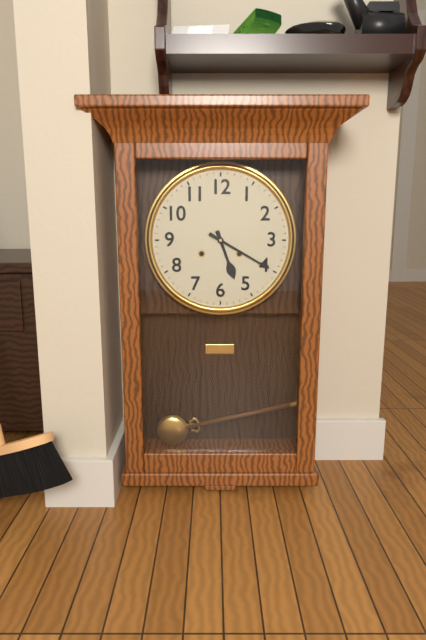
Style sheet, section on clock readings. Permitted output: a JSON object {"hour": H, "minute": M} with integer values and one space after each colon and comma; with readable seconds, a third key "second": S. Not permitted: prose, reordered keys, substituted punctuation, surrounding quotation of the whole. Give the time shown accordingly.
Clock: {"hour": 5, "minute": 20}
